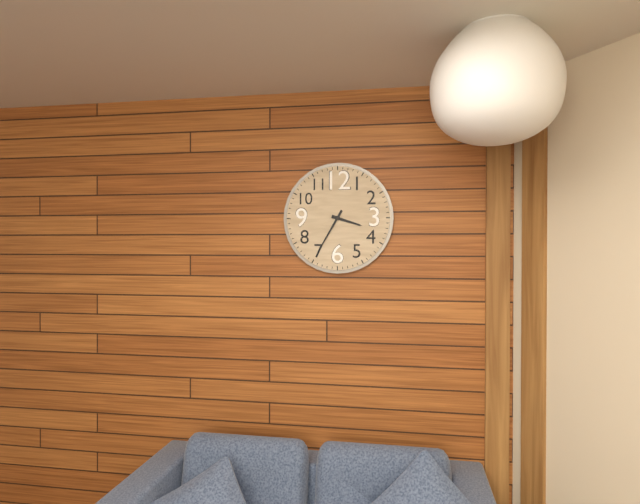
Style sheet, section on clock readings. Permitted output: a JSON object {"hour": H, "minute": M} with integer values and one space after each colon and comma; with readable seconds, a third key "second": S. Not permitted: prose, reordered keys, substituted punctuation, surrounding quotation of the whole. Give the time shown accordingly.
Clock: {"hour": 3, "minute": 35}
